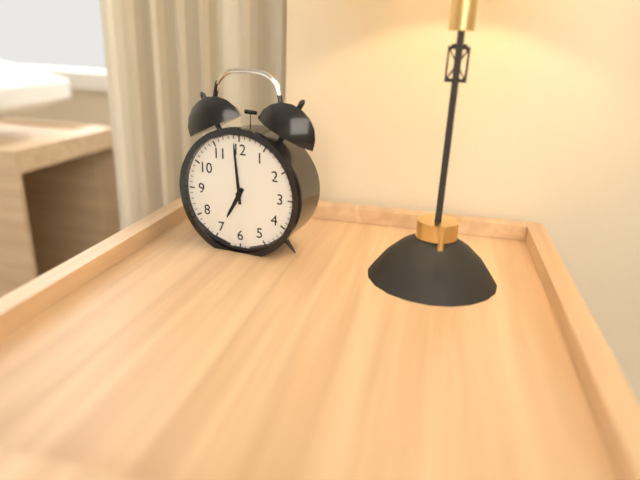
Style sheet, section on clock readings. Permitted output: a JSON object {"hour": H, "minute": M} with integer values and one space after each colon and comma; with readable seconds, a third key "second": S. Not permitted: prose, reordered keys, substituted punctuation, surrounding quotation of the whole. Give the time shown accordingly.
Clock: {"hour": 6, "minute": 59}
